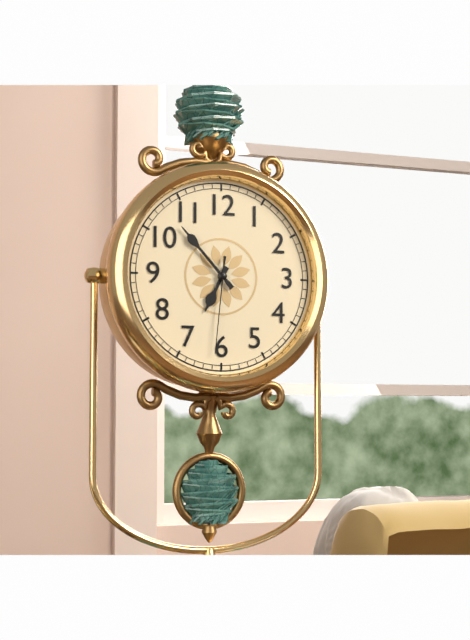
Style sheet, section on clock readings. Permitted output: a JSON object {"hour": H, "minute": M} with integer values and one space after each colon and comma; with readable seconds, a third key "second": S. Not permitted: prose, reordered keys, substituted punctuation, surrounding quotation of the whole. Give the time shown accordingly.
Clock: {"hour": 6, "minute": 53, "second": 31}
